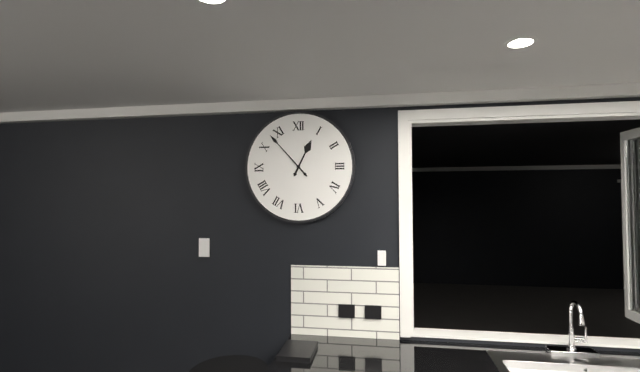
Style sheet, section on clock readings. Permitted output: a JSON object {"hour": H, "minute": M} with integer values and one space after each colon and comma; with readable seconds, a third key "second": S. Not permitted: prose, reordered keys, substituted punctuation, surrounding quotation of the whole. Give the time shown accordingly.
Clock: {"hour": 12, "minute": 53}
